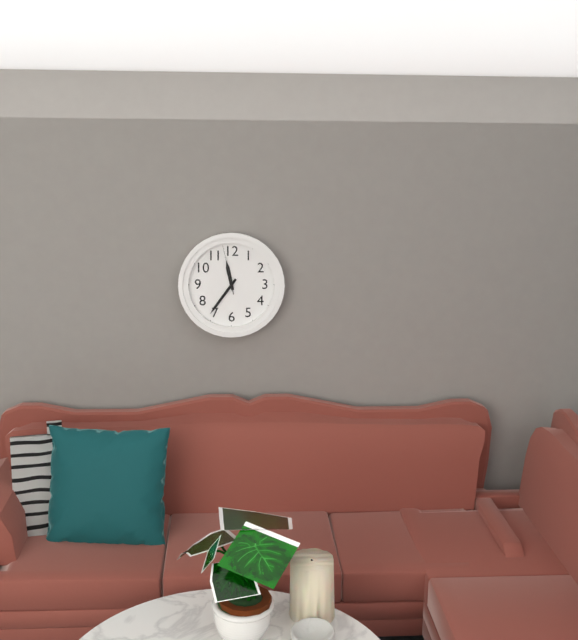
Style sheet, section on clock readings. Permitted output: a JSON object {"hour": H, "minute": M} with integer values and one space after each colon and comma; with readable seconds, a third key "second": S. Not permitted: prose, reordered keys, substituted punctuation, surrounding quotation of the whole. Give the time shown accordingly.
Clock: {"hour": 11, "minute": 36, "second": 58}
